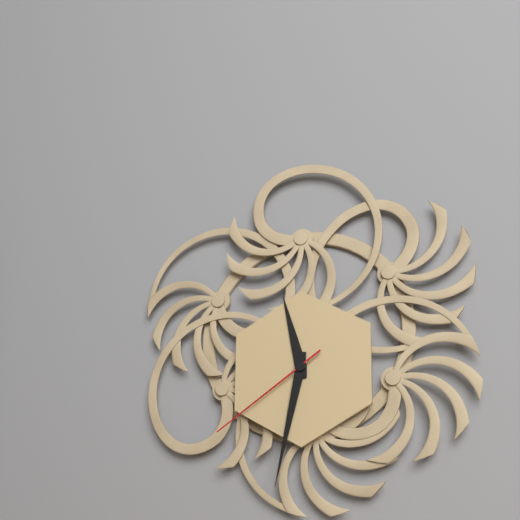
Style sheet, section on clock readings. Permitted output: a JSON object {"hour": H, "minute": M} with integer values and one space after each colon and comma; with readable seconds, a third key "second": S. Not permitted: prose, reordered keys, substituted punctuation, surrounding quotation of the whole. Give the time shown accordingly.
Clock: {"hour": 11, "minute": 32, "second": 39}
